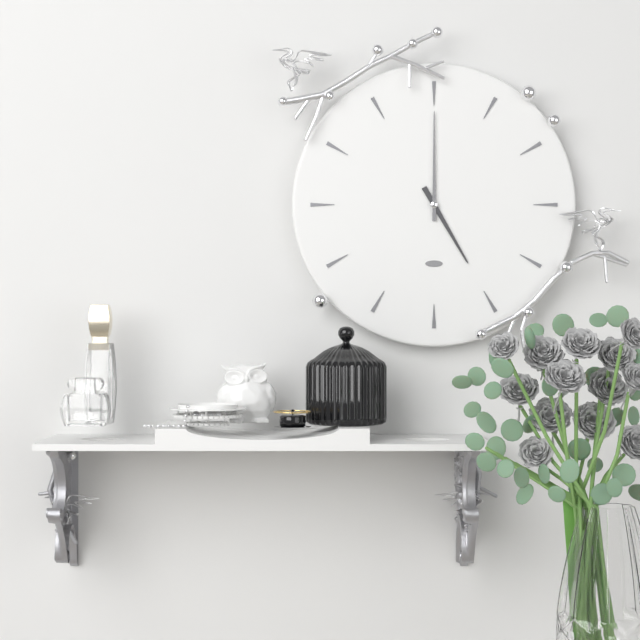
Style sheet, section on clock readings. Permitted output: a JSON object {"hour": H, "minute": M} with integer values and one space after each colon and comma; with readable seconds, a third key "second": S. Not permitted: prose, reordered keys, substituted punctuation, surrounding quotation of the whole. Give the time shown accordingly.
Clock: {"hour": 5, "minute": 0}
